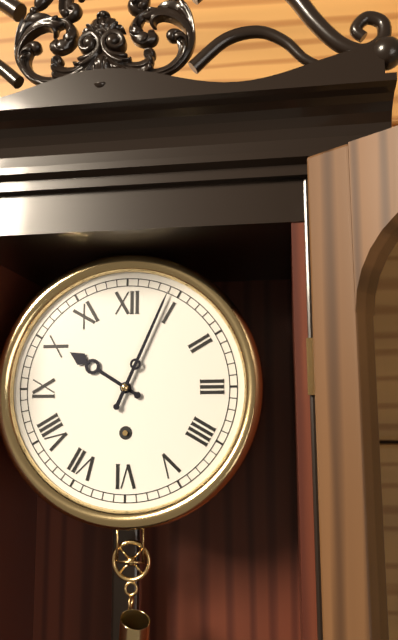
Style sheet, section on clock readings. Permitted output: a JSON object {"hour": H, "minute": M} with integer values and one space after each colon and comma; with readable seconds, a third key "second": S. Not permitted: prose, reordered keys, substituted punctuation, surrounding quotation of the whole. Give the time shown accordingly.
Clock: {"hour": 10, "minute": 4}
